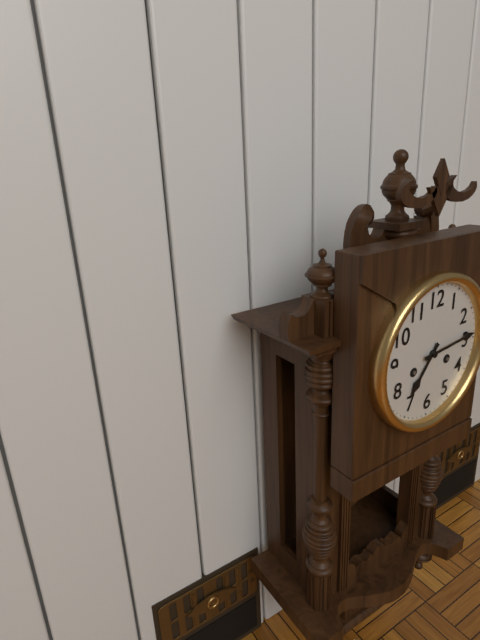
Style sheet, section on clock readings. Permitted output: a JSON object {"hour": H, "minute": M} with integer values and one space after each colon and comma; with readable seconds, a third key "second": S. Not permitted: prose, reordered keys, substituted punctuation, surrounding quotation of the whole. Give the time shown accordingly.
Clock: {"hour": 7, "minute": 14}
